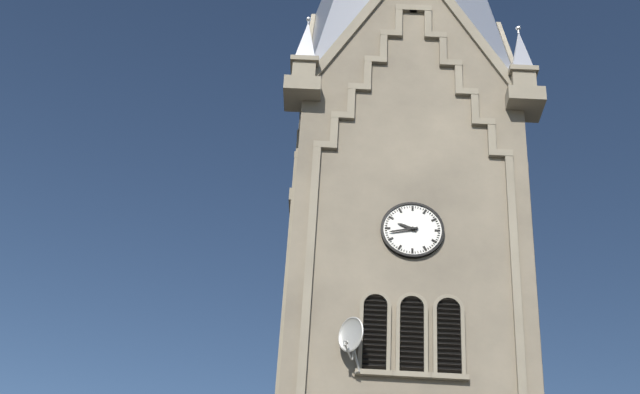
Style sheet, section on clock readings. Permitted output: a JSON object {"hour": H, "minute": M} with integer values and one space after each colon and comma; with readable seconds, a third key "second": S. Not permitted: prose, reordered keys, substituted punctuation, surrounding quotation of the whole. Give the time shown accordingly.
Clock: {"hour": 9, "minute": 43}
